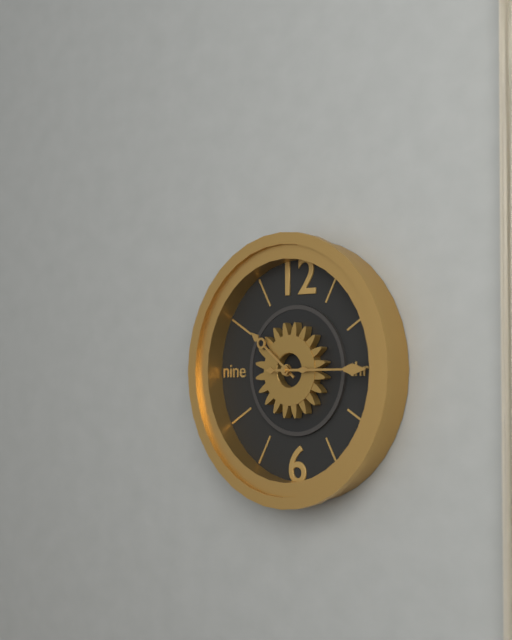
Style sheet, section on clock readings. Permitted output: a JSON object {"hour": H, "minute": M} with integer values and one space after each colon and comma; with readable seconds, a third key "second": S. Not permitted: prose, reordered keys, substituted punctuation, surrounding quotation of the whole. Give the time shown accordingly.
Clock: {"hour": 10, "minute": 15}
